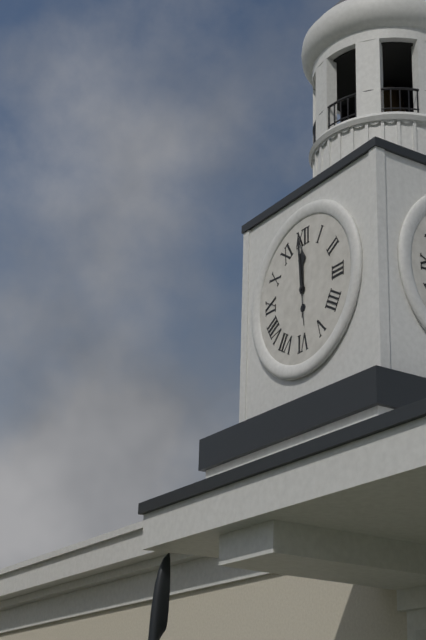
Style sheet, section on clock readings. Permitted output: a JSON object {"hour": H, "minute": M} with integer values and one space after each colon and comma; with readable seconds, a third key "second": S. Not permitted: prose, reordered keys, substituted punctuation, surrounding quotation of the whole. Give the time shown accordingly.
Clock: {"hour": 11, "minute": 59}
